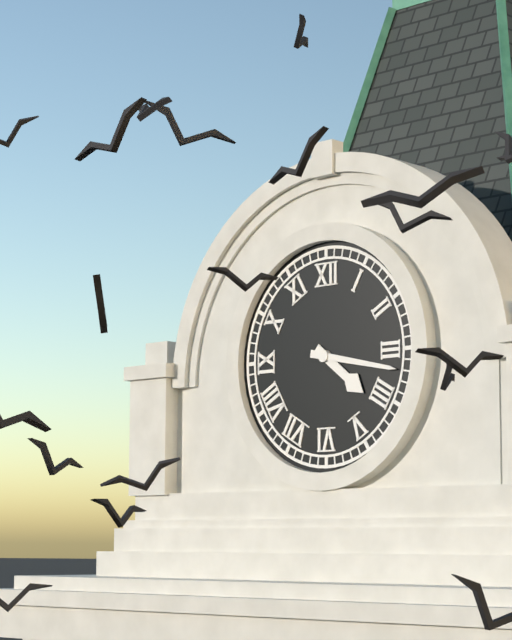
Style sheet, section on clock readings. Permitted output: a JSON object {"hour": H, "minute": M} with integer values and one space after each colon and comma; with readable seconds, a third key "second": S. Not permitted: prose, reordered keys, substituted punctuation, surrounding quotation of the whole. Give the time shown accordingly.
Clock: {"hour": 4, "minute": 17}
